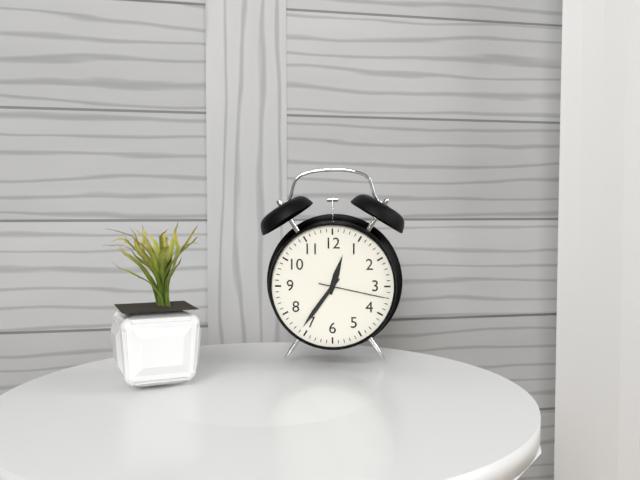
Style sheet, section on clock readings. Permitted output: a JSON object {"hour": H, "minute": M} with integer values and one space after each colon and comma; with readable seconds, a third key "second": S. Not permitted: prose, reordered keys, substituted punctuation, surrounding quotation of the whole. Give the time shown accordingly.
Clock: {"hour": 12, "minute": 36, "second": 17}
